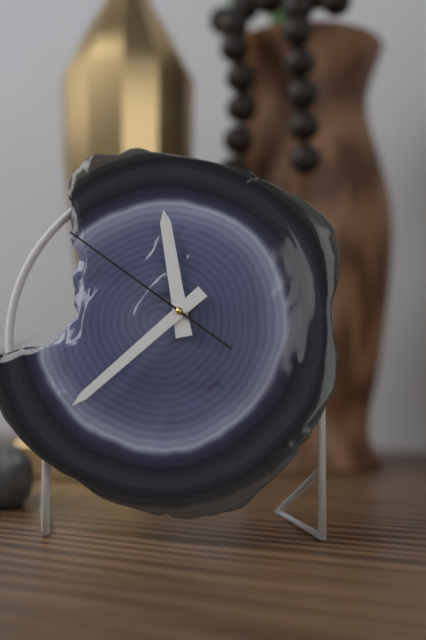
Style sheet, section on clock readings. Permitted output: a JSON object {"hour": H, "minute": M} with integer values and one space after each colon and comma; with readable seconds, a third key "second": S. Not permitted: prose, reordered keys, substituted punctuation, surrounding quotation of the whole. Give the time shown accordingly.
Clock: {"hour": 11, "minute": 38, "second": 51}
